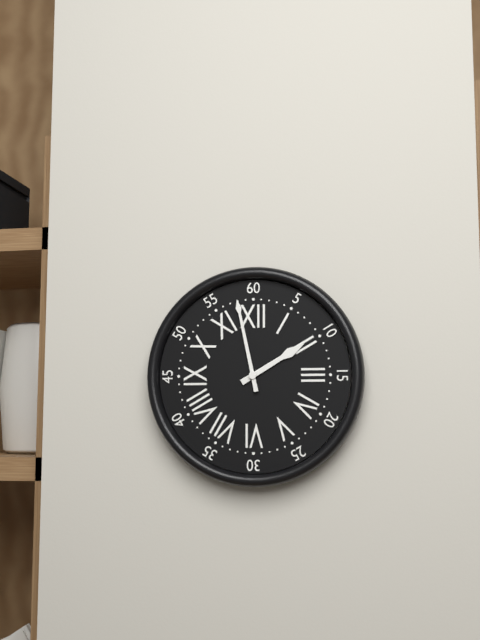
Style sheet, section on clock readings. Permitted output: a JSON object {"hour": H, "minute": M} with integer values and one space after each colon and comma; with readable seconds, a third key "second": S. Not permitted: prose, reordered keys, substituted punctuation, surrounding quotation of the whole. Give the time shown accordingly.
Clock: {"hour": 1, "minute": 58}
